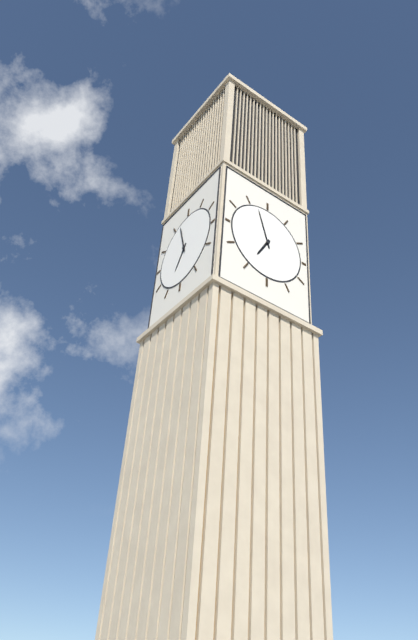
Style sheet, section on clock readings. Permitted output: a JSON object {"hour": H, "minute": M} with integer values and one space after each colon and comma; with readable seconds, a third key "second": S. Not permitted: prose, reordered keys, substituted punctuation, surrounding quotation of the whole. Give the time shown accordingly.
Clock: {"hour": 6, "minute": 57}
